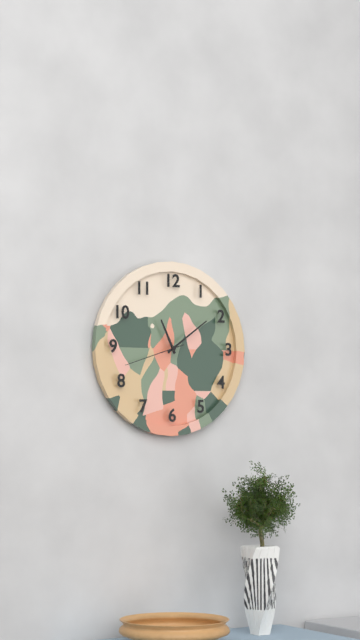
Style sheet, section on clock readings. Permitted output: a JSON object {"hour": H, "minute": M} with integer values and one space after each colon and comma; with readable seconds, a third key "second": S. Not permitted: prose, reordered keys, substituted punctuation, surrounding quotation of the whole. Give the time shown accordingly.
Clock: {"hour": 11, "minute": 9, "second": 42}
